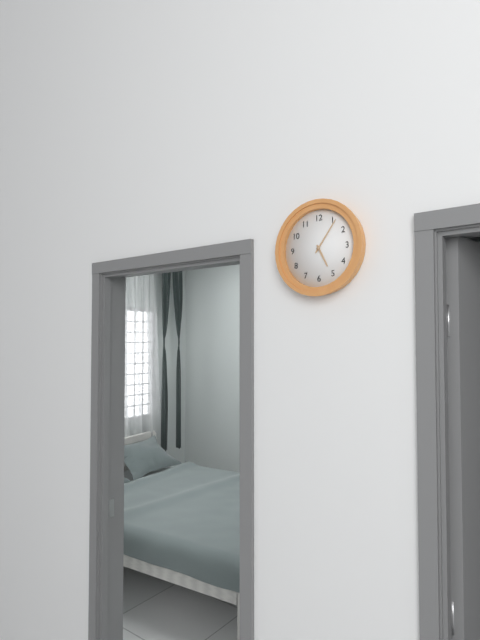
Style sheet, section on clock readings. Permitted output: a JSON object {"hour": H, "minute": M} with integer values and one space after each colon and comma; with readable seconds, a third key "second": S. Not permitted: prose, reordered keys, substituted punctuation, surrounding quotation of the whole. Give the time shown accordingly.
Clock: {"hour": 5, "minute": 6}
